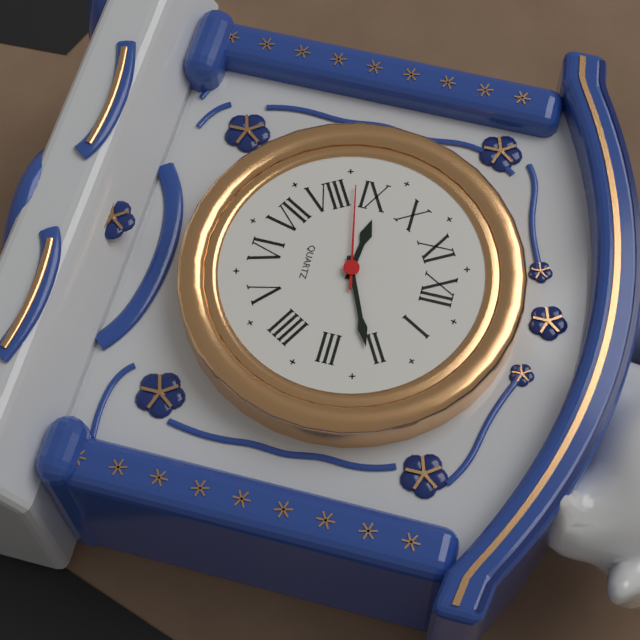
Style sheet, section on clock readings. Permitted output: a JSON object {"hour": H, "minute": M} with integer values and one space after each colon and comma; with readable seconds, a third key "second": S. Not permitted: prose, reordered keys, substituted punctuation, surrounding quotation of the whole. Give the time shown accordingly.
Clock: {"hour": 9, "minute": 11, "second": 43}
